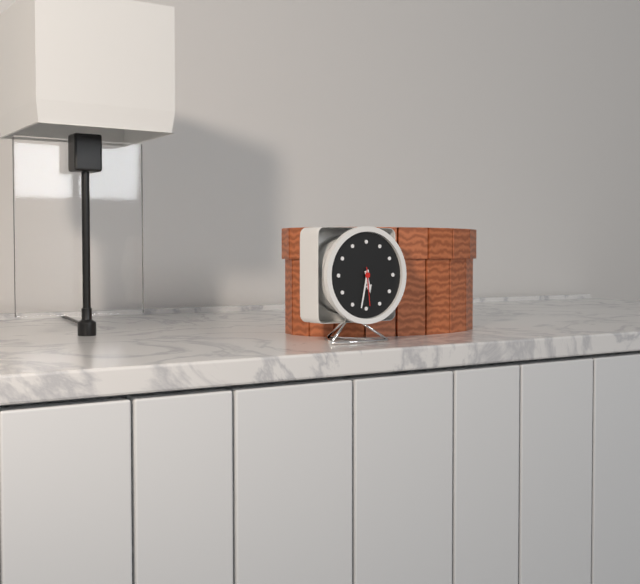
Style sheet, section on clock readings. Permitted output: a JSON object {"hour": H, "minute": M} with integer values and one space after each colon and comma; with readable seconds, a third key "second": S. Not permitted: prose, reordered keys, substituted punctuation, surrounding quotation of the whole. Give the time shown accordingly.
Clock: {"hour": 5, "minute": 32}
